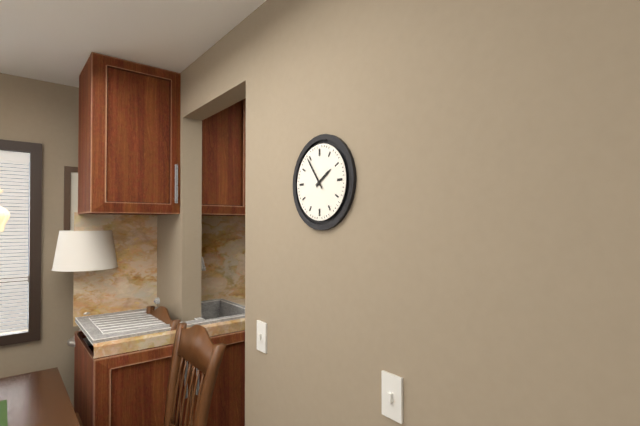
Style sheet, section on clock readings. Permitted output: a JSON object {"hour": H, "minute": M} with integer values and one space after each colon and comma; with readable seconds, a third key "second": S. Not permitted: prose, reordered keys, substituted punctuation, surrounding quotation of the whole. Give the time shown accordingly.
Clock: {"hour": 1, "minute": 54}
